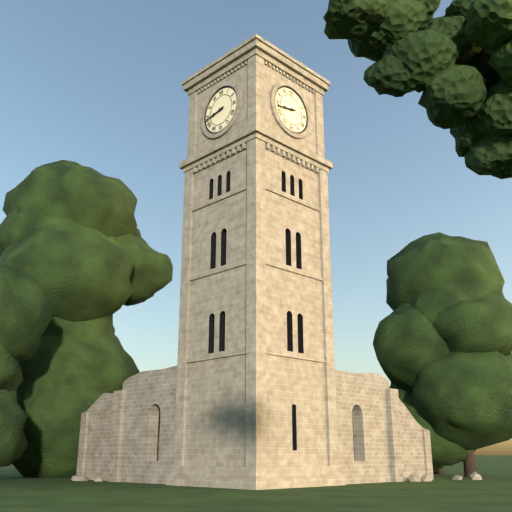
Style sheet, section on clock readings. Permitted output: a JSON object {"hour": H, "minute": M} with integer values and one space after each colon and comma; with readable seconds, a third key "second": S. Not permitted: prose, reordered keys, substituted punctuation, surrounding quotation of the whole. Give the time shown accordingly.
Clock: {"hour": 8, "minute": 43}
